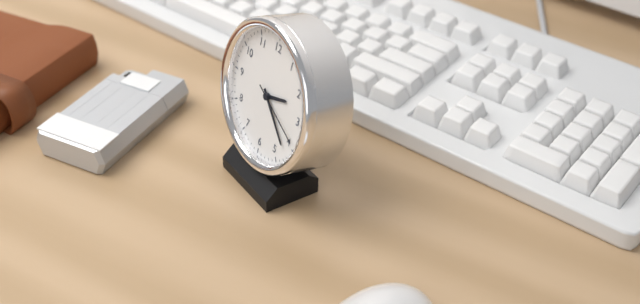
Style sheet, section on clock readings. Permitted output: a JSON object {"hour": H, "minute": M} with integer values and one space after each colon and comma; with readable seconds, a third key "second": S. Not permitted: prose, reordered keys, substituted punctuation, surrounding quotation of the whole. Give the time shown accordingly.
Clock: {"hour": 2, "minute": 22, "second": 19}
